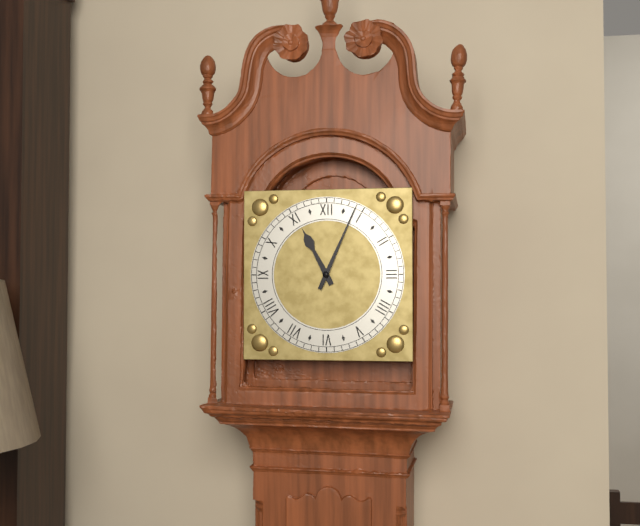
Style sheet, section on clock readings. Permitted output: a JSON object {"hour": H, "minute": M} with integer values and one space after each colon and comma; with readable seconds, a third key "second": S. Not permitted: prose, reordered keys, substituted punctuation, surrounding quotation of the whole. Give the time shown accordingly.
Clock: {"hour": 11, "minute": 4}
